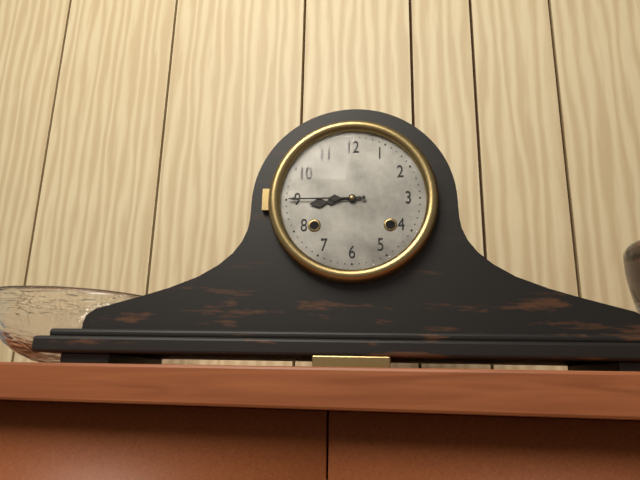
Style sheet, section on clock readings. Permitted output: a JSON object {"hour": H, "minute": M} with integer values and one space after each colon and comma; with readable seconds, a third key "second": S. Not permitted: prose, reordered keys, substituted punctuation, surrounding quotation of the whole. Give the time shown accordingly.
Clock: {"hour": 8, "minute": 45}
